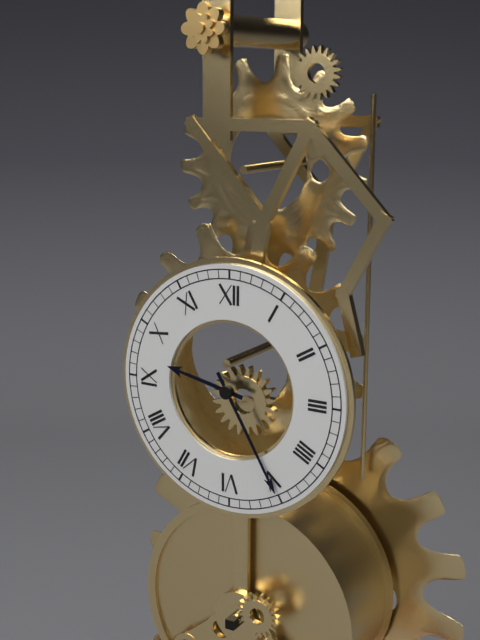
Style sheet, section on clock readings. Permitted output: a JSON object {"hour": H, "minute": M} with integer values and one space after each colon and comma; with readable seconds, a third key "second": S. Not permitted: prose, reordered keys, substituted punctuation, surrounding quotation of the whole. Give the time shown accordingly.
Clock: {"hour": 9, "minute": 25}
